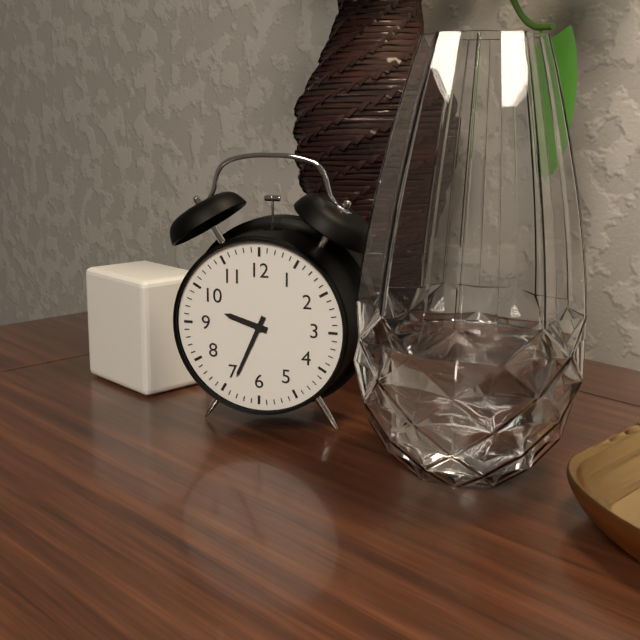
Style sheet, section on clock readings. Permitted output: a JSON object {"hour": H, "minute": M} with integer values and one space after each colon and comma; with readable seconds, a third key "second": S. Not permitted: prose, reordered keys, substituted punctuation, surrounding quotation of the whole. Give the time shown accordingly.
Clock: {"hour": 9, "minute": 34}
